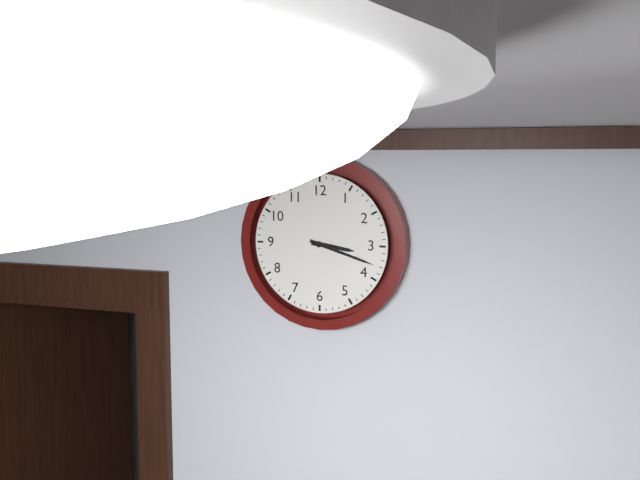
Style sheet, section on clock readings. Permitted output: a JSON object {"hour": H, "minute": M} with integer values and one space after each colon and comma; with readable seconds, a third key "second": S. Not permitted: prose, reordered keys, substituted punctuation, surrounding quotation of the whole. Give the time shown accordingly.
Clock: {"hour": 3, "minute": 18}
